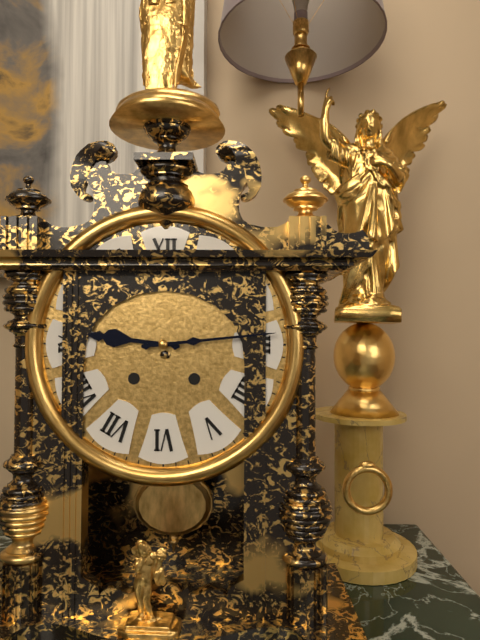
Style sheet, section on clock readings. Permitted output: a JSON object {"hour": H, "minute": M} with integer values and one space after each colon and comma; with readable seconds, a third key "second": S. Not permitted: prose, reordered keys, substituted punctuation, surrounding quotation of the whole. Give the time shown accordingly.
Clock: {"hour": 9, "minute": 14}
